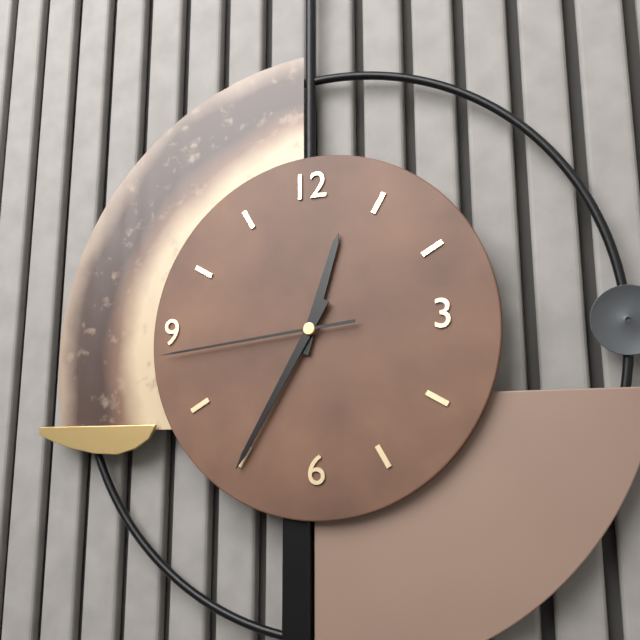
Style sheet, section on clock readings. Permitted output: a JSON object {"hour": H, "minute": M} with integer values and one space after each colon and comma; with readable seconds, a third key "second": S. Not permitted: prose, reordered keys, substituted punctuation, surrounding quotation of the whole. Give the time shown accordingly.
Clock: {"hour": 12, "minute": 35, "second": 44}
